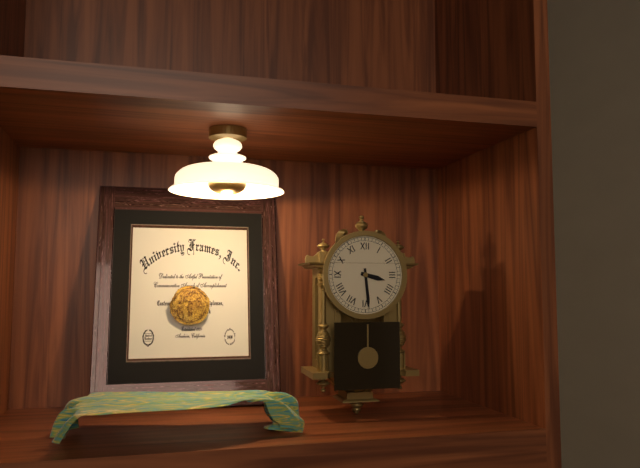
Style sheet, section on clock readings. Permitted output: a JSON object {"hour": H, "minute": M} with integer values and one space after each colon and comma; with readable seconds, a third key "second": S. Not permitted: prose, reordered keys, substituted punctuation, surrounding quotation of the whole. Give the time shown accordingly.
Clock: {"hour": 3, "minute": 29}
